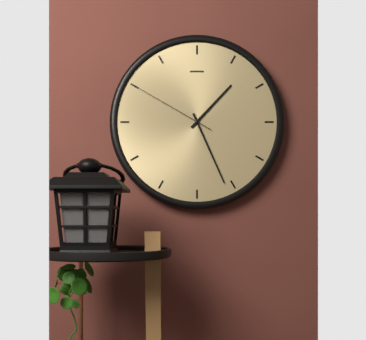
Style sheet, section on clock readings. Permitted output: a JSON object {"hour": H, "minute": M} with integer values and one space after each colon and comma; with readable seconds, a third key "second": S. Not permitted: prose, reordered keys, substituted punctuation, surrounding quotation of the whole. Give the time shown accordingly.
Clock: {"hour": 1, "minute": 26, "second": 50}
